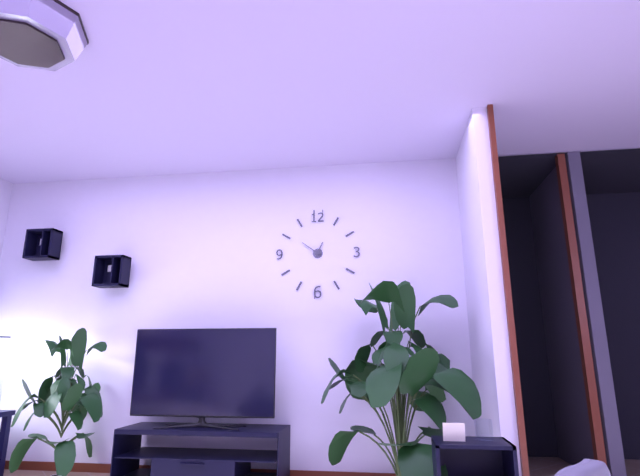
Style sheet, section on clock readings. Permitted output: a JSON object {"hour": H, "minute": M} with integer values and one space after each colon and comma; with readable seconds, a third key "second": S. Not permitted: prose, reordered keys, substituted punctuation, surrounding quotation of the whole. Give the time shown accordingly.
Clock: {"hour": 12, "minute": 51}
